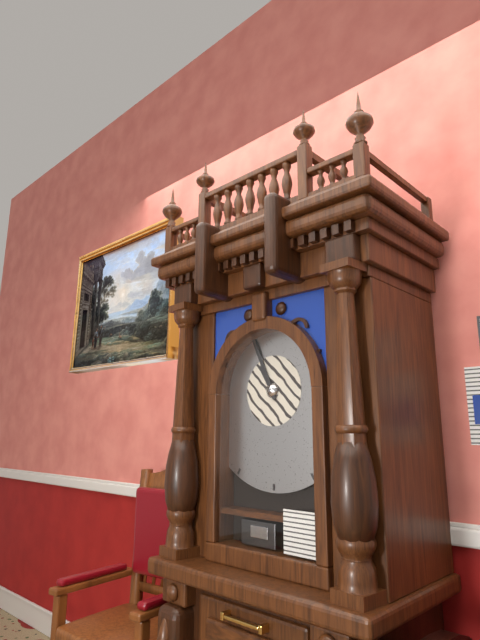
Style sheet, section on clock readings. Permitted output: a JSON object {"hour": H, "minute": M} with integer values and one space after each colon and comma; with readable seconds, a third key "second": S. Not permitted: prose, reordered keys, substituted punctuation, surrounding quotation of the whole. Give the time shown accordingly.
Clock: {"hour": 10, "minute": 56}
